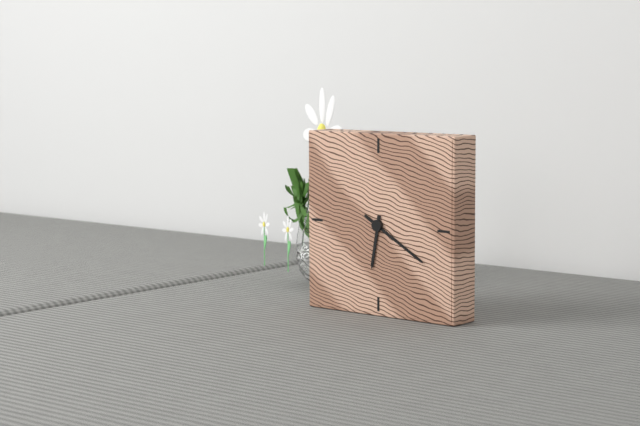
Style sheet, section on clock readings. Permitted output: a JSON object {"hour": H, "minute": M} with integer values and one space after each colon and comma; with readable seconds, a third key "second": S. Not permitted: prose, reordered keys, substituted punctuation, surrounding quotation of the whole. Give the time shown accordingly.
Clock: {"hour": 6, "minute": 20}
